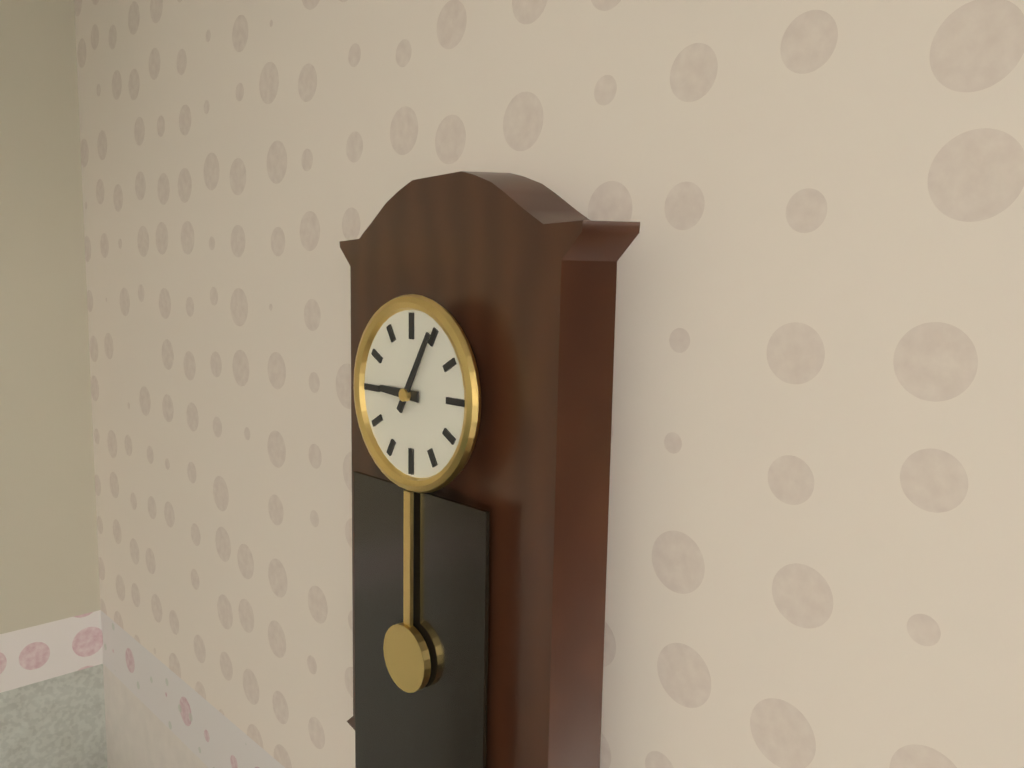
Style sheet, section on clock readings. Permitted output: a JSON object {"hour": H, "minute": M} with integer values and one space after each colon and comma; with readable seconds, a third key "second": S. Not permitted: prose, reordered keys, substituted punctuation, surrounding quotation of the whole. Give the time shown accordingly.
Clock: {"hour": 9, "minute": 5}
